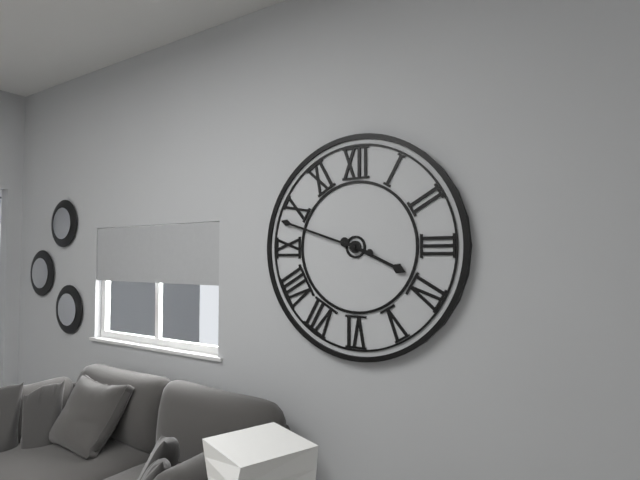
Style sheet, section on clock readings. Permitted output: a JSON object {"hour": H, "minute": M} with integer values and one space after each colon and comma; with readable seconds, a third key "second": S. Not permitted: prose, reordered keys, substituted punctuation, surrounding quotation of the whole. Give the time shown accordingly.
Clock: {"hour": 3, "minute": 48}
